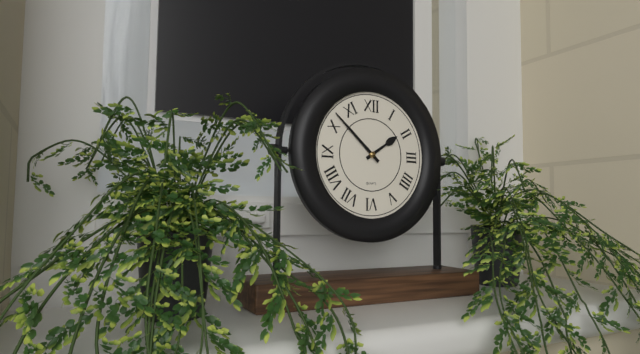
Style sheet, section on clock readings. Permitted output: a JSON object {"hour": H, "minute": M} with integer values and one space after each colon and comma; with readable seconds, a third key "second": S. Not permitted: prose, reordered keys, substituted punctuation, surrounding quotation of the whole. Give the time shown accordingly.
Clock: {"hour": 1, "minute": 52}
